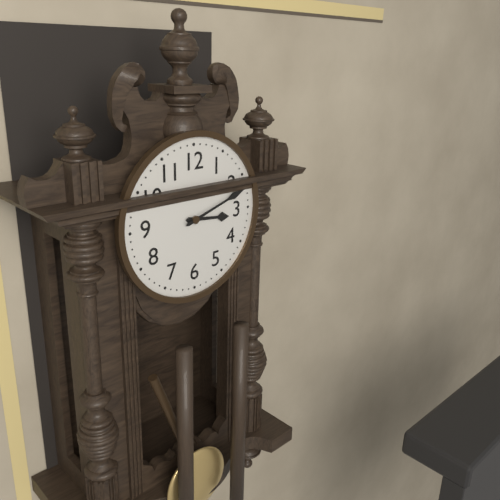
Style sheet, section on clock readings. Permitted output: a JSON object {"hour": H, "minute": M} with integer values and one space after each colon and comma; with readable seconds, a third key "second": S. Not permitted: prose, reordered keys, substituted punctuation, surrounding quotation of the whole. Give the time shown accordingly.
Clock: {"hour": 3, "minute": 12}
